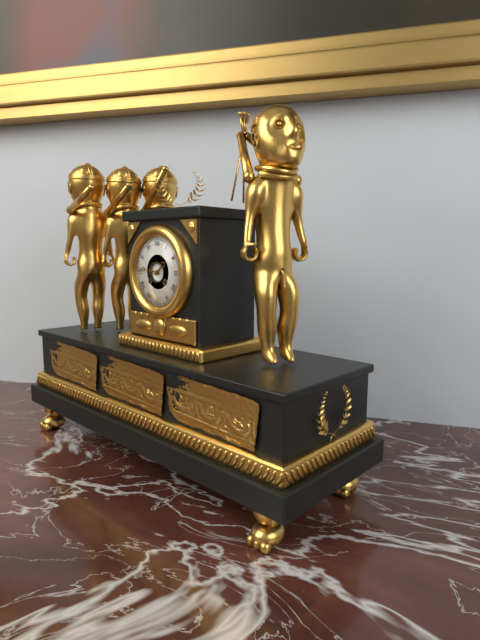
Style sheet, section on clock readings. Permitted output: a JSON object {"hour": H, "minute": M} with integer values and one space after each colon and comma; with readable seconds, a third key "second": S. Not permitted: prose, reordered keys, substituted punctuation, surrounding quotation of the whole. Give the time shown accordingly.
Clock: {"hour": 1, "minute": 46}
